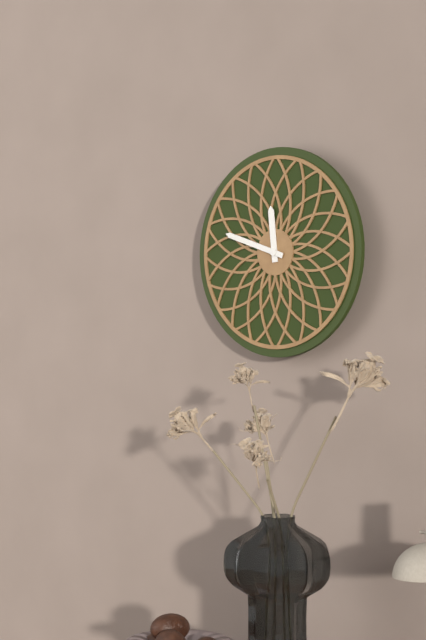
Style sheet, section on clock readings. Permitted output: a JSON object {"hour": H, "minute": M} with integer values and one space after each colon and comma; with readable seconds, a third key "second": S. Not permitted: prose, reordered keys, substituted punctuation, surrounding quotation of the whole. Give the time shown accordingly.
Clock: {"hour": 11, "minute": 48}
